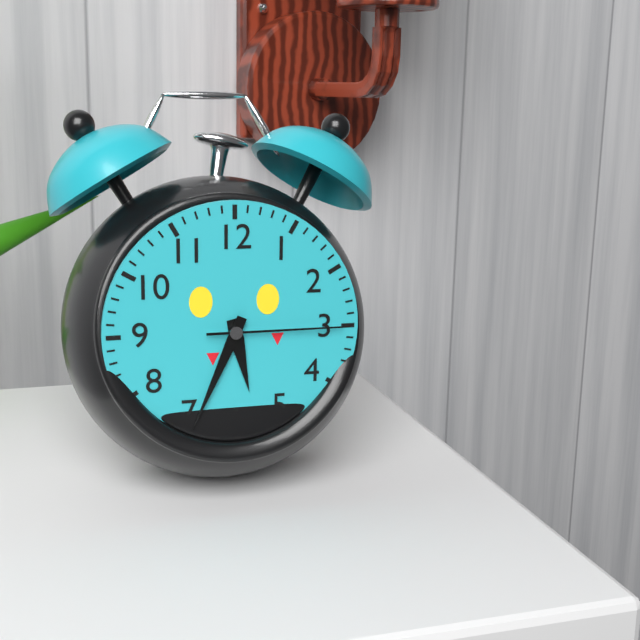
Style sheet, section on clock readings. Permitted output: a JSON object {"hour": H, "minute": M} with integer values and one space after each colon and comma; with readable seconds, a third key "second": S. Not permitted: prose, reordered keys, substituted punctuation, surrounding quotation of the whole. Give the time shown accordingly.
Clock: {"hour": 5, "minute": 34, "second": 15}
